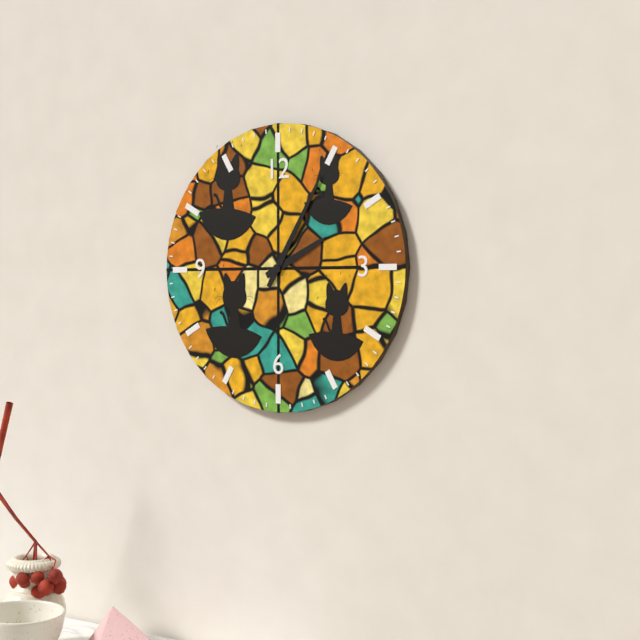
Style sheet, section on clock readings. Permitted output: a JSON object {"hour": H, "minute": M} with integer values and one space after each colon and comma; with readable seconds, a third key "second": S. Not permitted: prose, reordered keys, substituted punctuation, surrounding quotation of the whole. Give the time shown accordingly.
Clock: {"hour": 2, "minute": 5}
